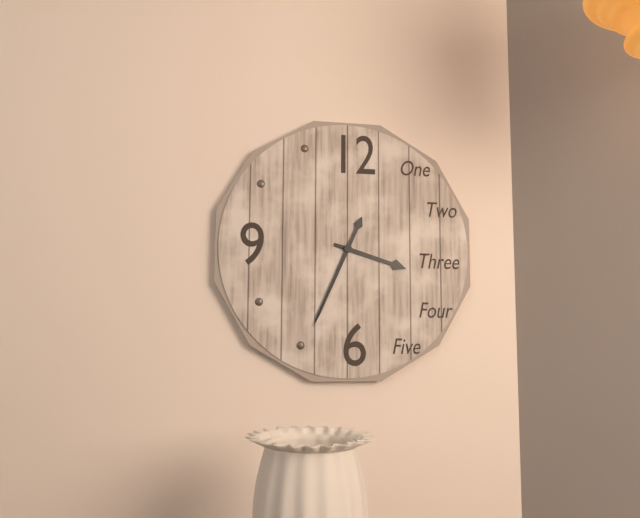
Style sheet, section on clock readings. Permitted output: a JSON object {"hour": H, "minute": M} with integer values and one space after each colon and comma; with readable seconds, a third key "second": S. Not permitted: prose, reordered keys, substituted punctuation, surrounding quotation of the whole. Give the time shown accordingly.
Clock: {"hour": 3, "minute": 34}
